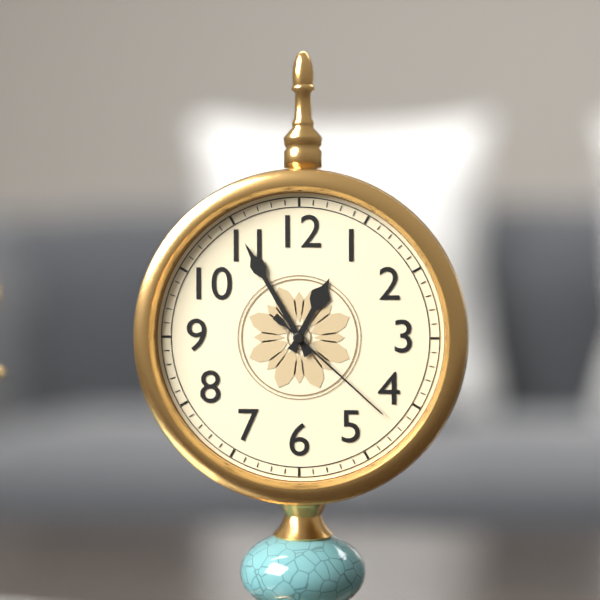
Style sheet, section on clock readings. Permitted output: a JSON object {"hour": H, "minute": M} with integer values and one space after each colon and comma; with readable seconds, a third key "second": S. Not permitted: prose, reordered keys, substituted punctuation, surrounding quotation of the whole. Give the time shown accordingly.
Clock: {"hour": 12, "minute": 55, "second": 22}
